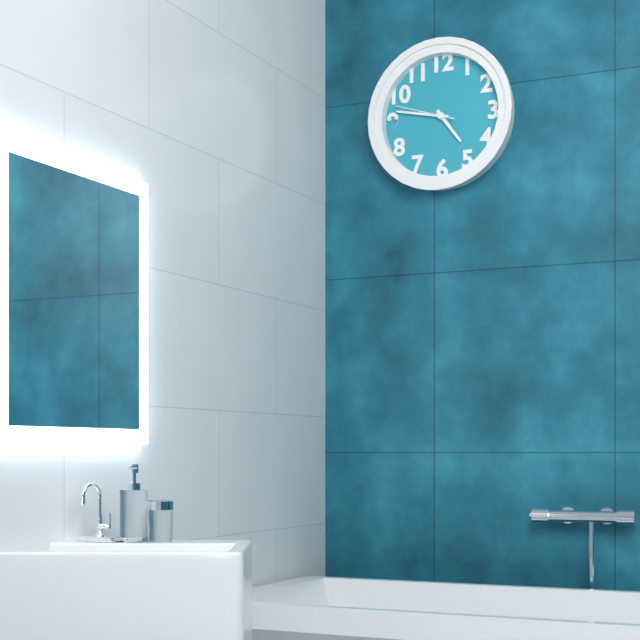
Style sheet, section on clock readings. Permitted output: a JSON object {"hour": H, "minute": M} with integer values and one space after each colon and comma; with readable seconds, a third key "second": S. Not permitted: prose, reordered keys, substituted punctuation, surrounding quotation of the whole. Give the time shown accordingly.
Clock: {"hour": 4, "minute": 47, "second": 48}
